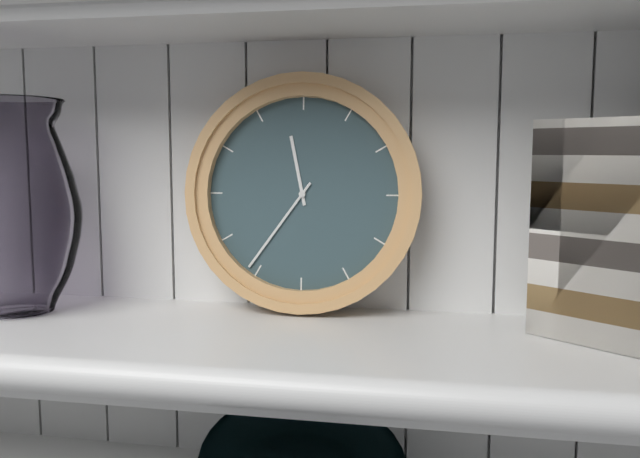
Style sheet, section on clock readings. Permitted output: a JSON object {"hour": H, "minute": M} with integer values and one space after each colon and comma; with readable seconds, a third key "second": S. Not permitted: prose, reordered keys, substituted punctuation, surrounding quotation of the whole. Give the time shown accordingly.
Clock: {"hour": 11, "minute": 36}
